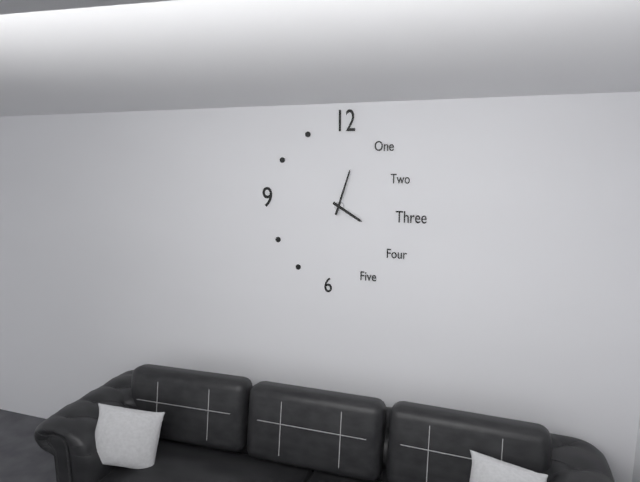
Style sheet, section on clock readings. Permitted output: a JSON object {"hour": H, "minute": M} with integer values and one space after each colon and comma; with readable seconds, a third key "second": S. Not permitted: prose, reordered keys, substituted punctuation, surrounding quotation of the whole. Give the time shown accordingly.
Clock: {"hour": 4, "minute": 3}
